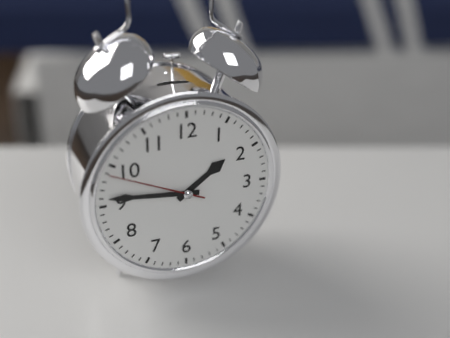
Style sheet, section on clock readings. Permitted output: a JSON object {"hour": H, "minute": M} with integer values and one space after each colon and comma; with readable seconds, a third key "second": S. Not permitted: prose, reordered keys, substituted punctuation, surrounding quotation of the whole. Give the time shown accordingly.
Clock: {"hour": 1, "minute": 46, "second": 49}
